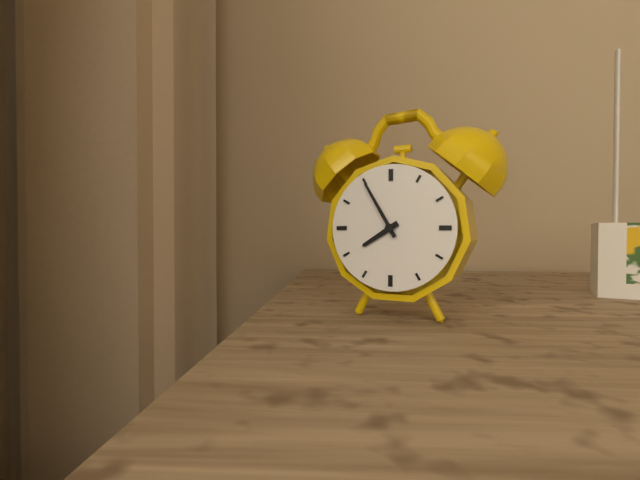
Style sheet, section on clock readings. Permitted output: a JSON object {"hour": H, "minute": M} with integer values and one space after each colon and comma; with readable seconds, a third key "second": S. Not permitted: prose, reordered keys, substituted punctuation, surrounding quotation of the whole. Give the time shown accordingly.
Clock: {"hour": 7, "minute": 55}
